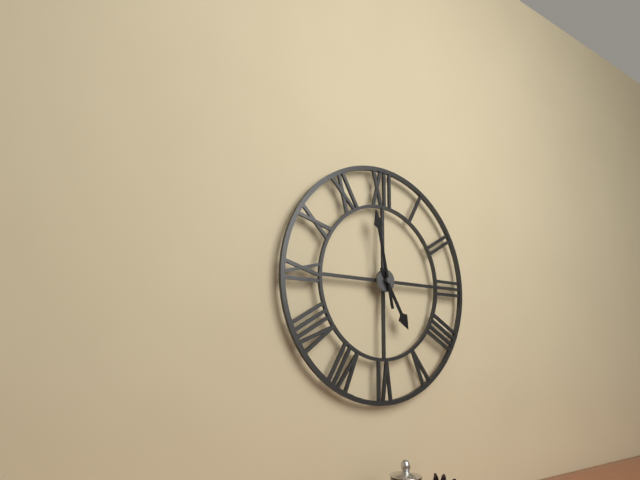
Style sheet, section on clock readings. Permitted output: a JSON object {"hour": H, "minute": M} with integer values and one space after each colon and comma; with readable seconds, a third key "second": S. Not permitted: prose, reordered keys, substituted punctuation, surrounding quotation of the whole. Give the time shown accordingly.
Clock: {"hour": 4, "minute": 58}
